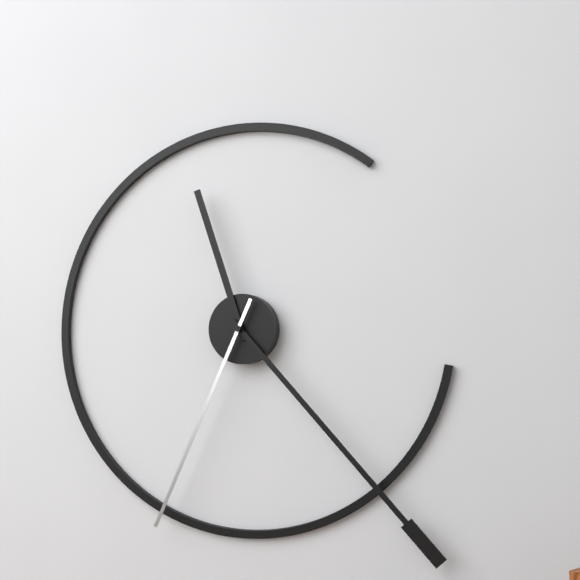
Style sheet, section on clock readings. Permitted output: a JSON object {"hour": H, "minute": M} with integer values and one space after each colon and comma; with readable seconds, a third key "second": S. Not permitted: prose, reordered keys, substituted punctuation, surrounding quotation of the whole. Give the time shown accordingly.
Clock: {"hour": 11, "minute": 23, "second": 34}
